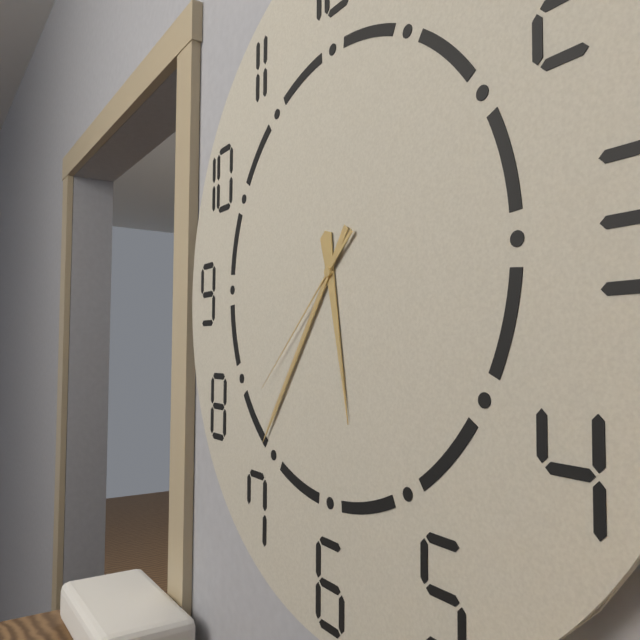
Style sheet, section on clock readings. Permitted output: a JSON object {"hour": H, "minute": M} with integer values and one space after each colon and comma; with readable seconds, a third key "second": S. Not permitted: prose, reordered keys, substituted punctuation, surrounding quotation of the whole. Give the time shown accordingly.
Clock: {"hour": 5, "minute": 36, "second": 38}
